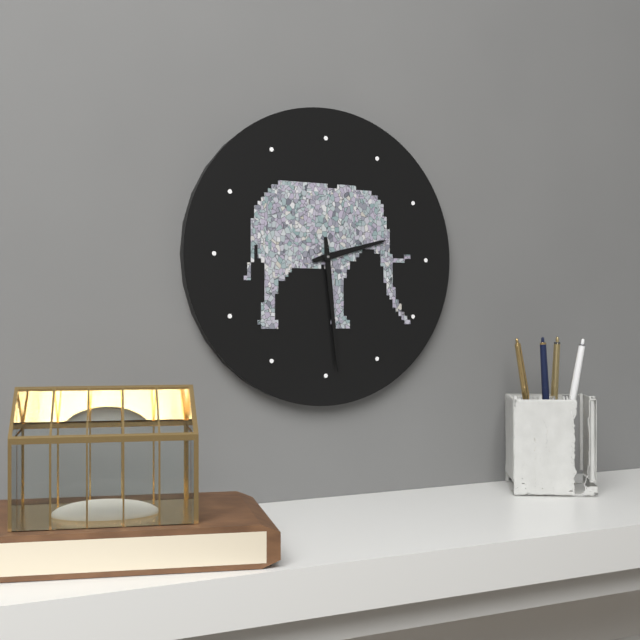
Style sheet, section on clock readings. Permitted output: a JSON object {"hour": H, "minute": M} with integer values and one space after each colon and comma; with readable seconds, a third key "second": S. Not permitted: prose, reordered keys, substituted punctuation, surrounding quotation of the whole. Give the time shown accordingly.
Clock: {"hour": 2, "minute": 29}
